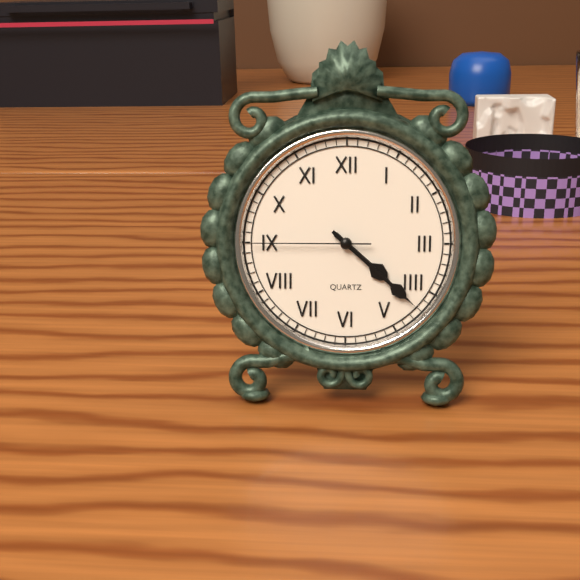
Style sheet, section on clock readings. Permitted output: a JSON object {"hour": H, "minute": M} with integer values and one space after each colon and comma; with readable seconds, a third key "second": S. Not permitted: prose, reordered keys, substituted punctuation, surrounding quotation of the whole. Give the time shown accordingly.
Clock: {"hour": 4, "minute": 22, "second": 45}
